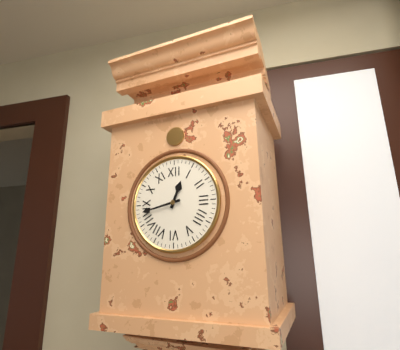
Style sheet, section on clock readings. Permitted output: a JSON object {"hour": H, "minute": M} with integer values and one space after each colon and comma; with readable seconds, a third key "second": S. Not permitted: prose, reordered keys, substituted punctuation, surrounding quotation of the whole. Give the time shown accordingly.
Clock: {"hour": 12, "minute": 43}
